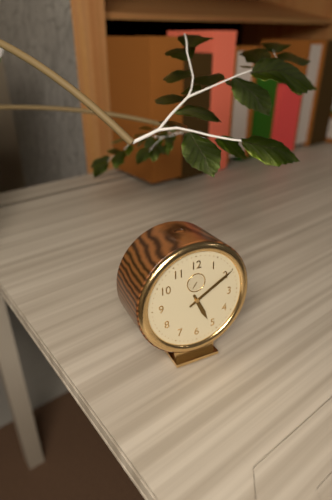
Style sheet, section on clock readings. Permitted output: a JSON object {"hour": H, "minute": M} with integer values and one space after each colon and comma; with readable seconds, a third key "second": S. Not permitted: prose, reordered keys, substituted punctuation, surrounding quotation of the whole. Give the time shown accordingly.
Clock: {"hour": 5, "minute": 10}
